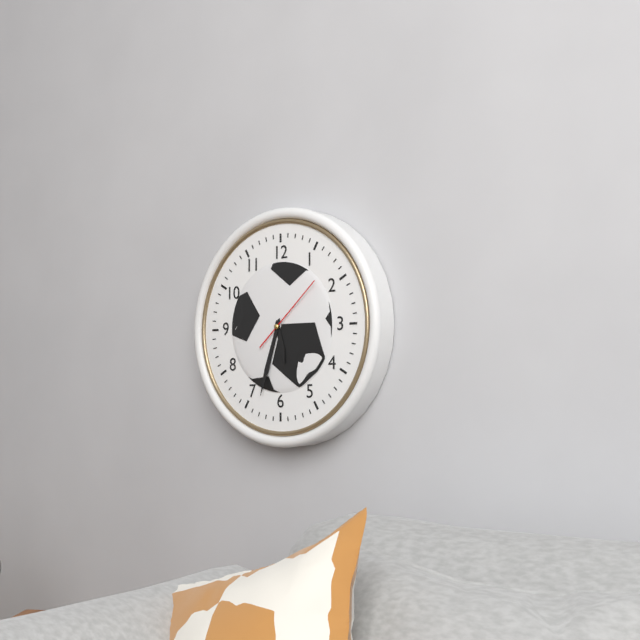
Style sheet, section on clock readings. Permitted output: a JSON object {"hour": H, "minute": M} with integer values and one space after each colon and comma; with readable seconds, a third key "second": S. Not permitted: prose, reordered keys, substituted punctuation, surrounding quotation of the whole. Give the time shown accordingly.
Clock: {"hour": 5, "minute": 33, "second": 8}
